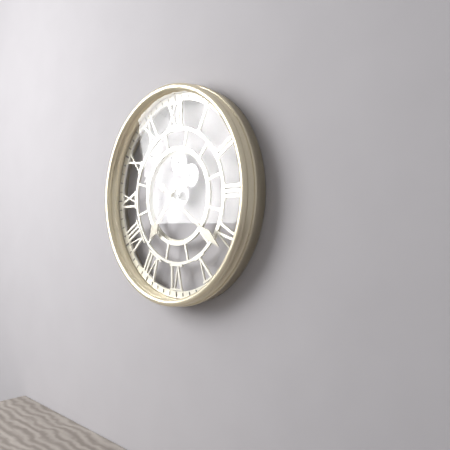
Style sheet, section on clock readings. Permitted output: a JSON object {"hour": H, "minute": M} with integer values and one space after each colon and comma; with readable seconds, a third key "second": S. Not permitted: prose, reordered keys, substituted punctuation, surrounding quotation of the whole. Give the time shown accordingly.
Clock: {"hour": 7, "minute": 21}
